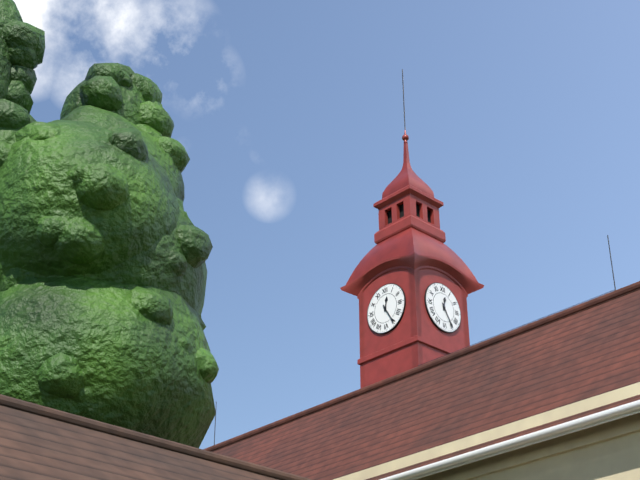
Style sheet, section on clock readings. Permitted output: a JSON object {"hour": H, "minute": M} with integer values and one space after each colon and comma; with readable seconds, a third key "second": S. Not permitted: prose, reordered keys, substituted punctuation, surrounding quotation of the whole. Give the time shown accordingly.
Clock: {"hour": 12, "minute": 25}
